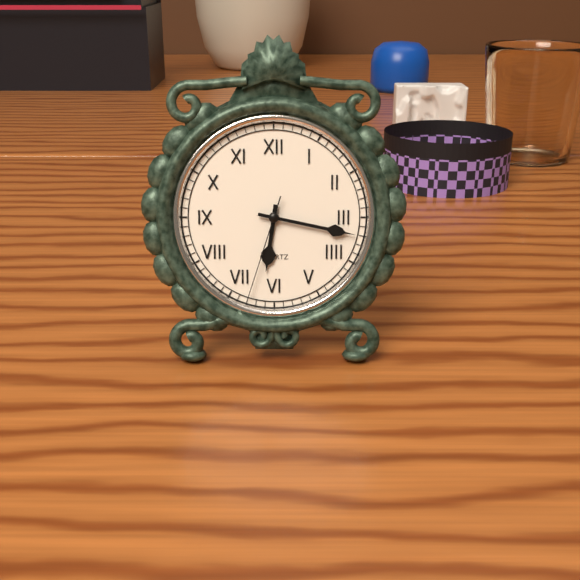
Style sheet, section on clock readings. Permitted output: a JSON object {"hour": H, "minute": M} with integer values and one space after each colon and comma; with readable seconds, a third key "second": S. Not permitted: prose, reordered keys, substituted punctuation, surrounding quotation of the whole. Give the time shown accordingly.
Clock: {"hour": 6, "minute": 17, "second": 33}
